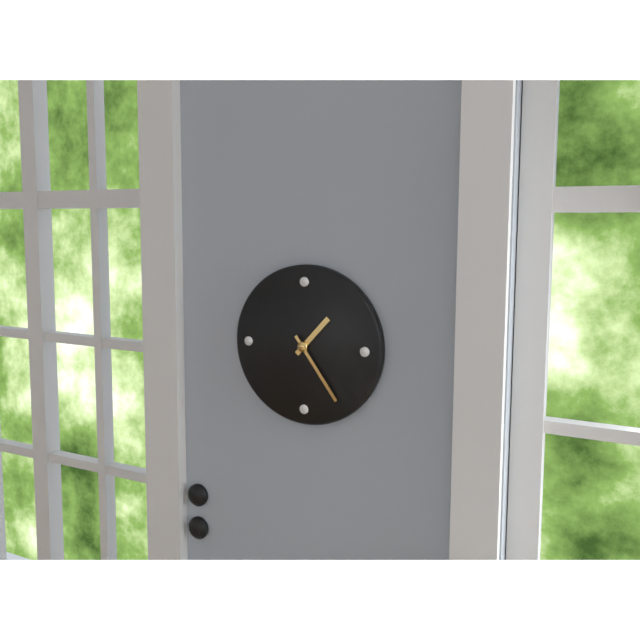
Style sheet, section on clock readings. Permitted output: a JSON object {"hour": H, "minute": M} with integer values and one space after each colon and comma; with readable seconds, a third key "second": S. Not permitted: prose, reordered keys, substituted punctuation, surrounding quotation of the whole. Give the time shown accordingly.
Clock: {"hour": 1, "minute": 24}
